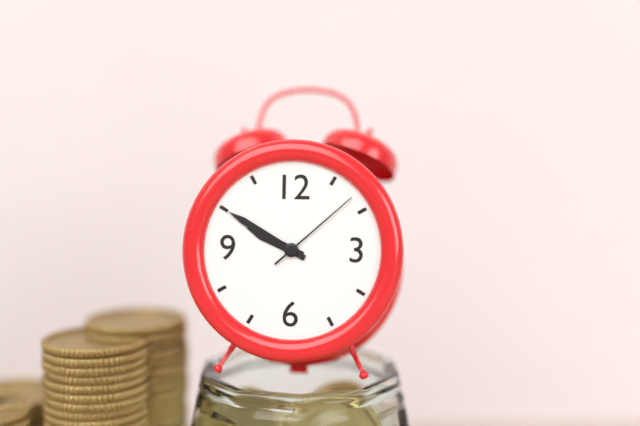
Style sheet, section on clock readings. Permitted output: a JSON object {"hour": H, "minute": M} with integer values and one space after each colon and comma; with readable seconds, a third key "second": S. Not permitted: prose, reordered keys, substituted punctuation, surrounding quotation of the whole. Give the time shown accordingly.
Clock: {"hour": 9, "minute": 50, "second": 8}
